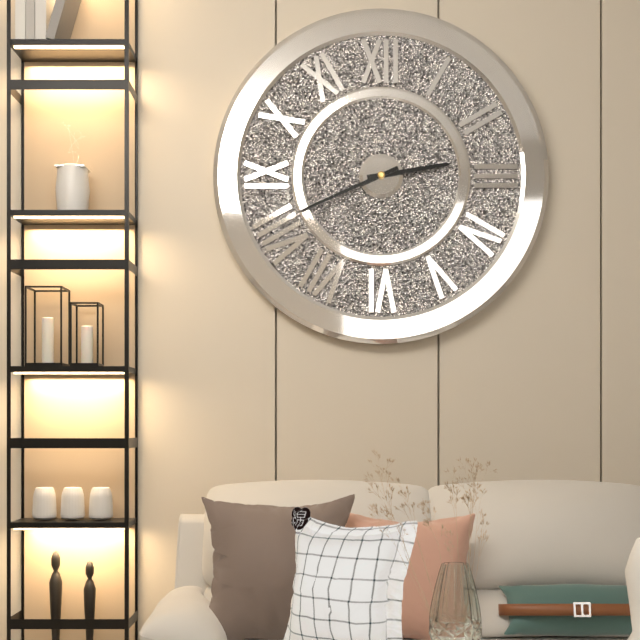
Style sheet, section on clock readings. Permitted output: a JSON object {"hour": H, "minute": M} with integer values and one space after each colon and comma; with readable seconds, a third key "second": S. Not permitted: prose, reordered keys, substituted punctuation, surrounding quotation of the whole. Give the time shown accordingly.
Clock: {"hour": 2, "minute": 41}
